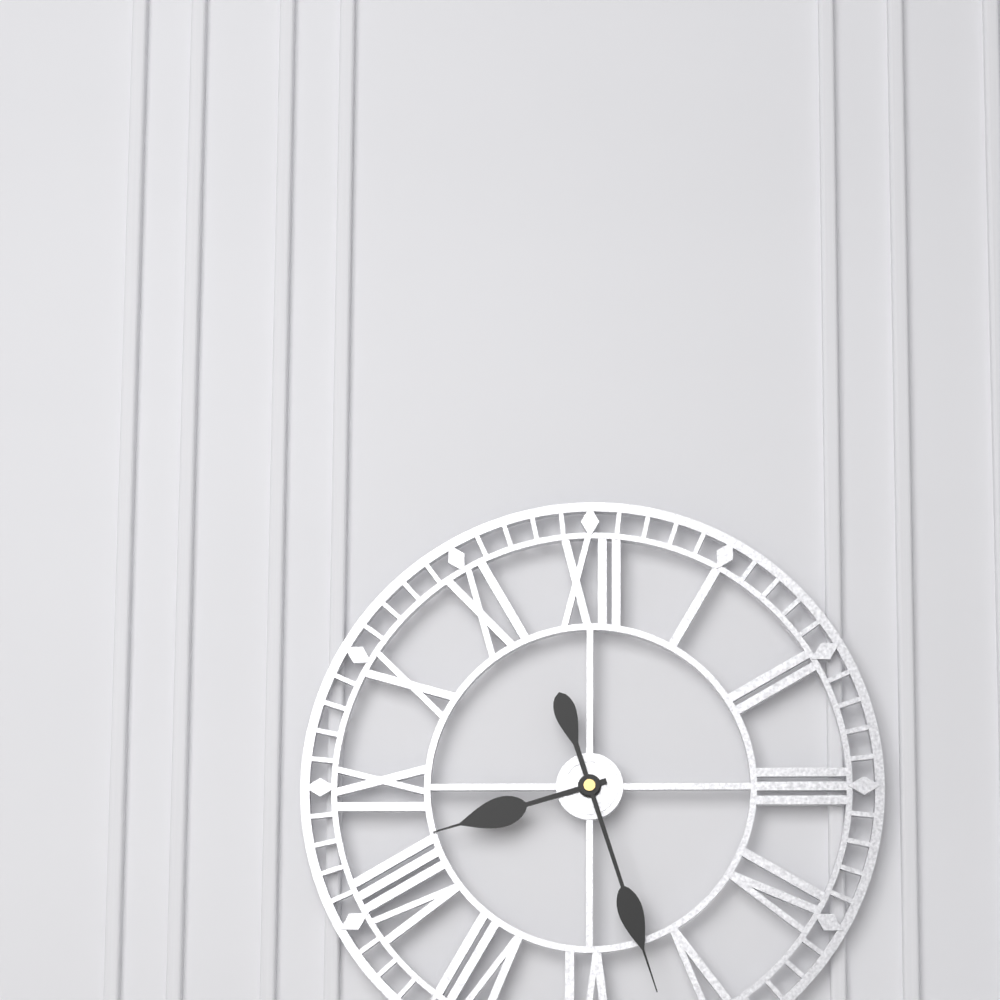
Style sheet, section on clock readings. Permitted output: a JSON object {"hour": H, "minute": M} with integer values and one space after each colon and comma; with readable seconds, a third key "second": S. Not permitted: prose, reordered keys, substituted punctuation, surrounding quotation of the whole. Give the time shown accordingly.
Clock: {"hour": 8, "minute": 27}
